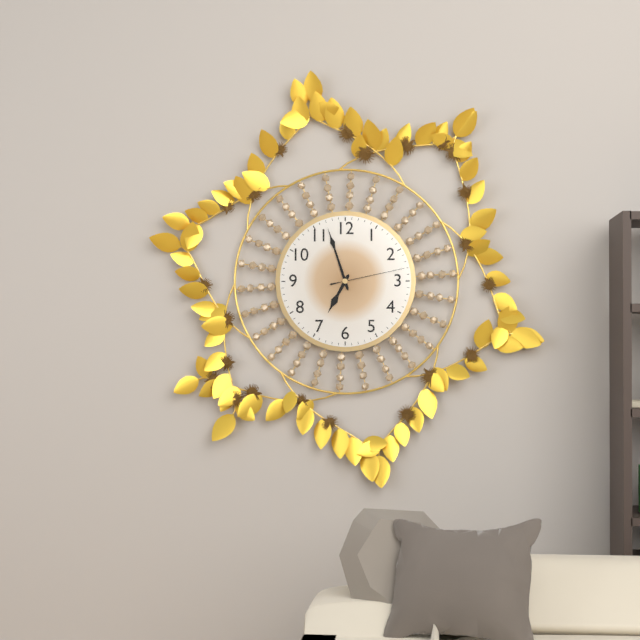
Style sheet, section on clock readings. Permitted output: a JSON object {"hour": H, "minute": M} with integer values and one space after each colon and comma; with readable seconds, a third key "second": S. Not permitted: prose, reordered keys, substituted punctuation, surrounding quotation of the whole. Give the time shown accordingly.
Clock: {"hour": 6, "minute": 57, "second": 13}
